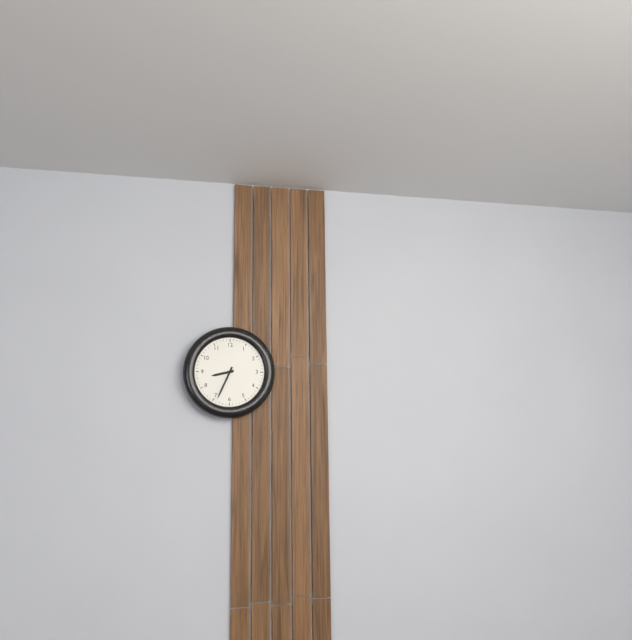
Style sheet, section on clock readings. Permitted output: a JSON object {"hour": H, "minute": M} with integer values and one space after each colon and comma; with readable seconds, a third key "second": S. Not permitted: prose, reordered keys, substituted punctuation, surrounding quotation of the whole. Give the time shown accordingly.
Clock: {"hour": 8, "minute": 34}
